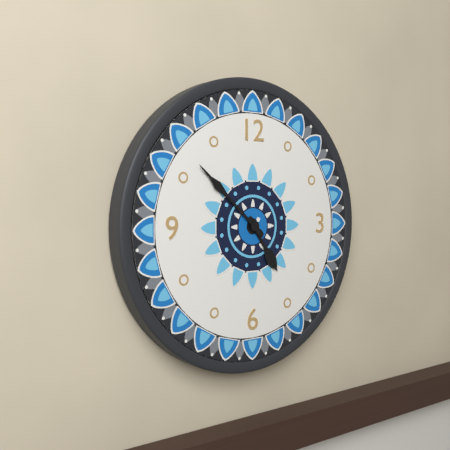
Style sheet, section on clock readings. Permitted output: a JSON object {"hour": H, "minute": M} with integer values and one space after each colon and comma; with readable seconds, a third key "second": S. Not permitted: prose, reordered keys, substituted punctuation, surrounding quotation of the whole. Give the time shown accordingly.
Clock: {"hour": 4, "minute": 52}
